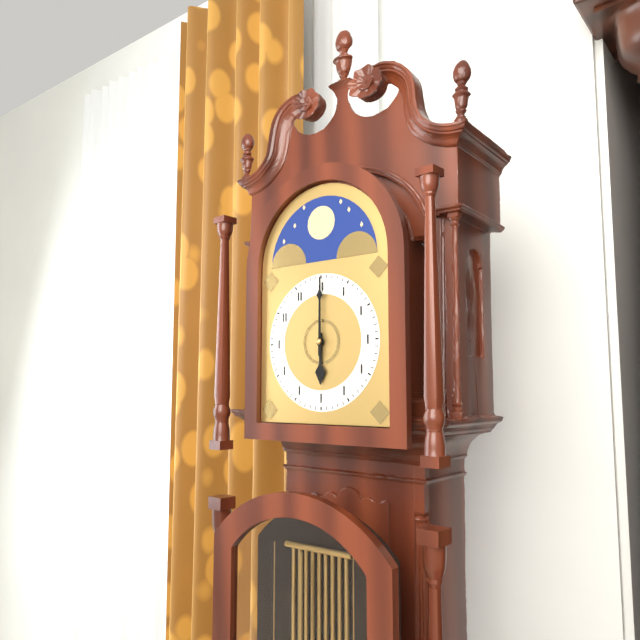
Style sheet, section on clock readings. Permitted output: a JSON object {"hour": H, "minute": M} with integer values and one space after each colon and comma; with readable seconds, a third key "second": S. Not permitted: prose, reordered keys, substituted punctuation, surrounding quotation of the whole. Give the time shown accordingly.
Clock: {"hour": 6, "minute": 0}
